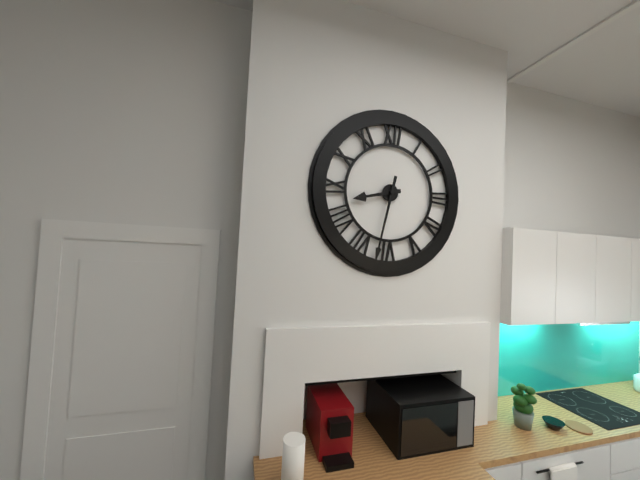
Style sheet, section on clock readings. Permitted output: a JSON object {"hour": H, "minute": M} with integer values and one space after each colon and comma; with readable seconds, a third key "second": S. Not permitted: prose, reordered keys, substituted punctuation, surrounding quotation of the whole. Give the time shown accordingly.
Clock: {"hour": 8, "minute": 32}
